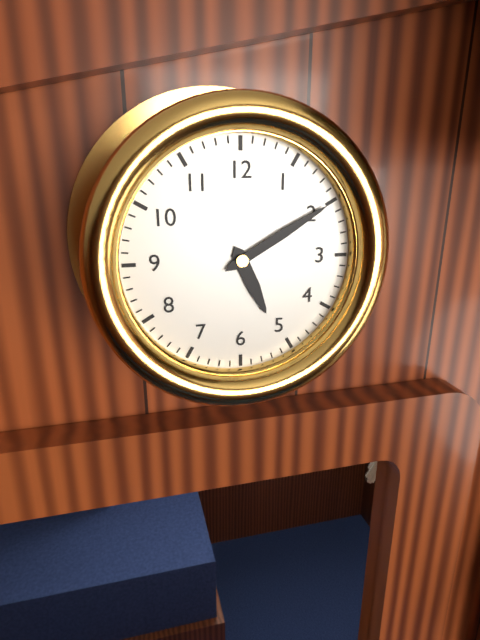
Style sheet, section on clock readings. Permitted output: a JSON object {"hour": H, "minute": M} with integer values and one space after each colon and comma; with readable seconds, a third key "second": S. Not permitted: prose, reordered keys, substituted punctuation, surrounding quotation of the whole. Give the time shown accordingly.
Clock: {"hour": 5, "minute": 10}
